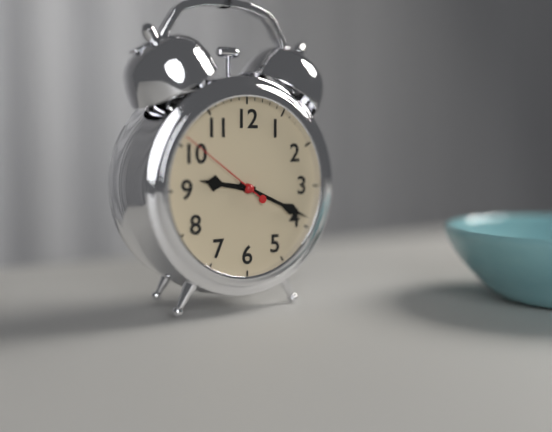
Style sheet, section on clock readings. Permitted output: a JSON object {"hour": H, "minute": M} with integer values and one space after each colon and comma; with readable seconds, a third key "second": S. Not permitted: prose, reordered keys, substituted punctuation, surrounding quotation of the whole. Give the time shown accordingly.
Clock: {"hour": 9, "minute": 19, "second": 51}
